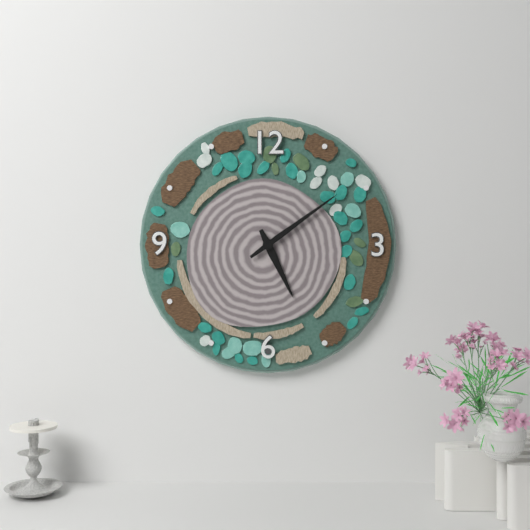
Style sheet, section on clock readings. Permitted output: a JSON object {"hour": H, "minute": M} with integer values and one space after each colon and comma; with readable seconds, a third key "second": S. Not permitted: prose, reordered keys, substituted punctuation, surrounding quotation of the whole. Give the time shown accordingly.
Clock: {"hour": 5, "minute": 9}
